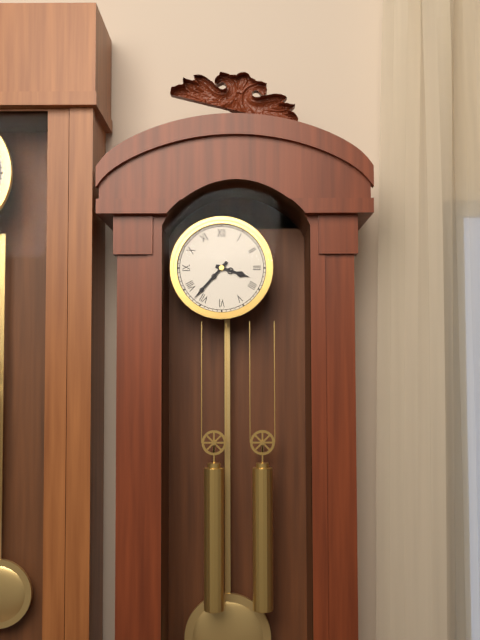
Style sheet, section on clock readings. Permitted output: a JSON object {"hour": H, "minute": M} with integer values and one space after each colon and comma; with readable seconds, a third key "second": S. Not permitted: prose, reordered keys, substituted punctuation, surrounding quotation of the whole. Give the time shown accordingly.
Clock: {"hour": 3, "minute": 37}
